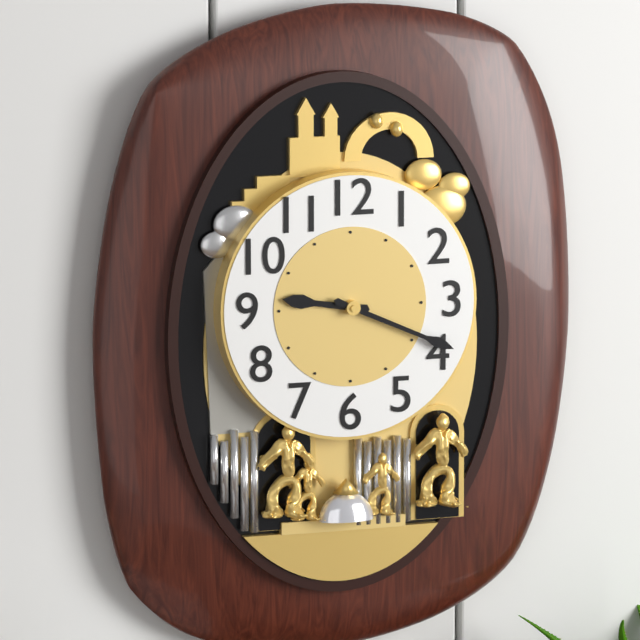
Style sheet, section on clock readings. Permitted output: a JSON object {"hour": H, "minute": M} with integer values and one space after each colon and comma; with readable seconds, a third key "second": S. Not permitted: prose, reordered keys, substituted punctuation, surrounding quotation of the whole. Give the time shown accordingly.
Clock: {"hour": 9, "minute": 19}
